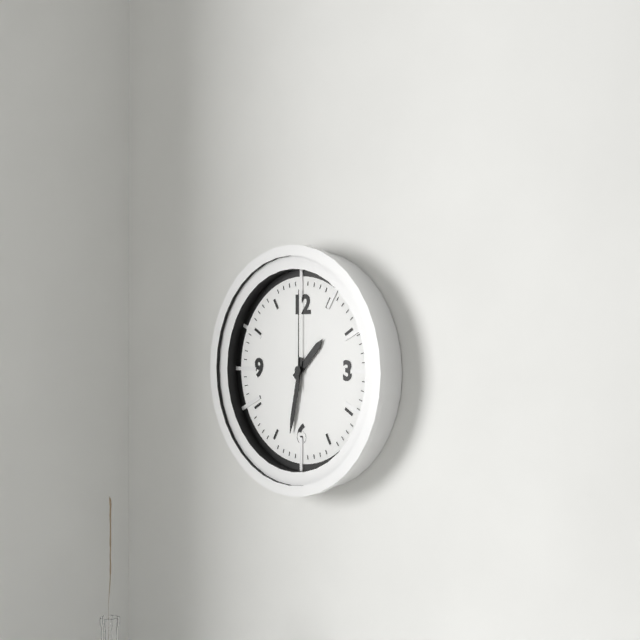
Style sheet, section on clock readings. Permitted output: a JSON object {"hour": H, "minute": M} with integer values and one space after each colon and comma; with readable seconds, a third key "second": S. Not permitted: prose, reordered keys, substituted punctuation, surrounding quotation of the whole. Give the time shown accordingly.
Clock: {"hour": 1, "minute": 32, "second": 0}
